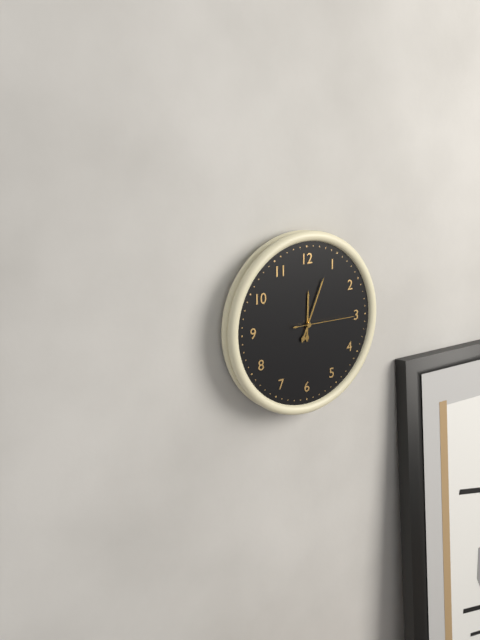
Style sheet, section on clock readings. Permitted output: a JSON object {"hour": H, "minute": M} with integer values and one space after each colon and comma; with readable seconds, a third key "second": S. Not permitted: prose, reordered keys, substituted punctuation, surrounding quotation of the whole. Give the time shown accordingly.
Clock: {"hour": 12, "minute": 4, "second": 15}
